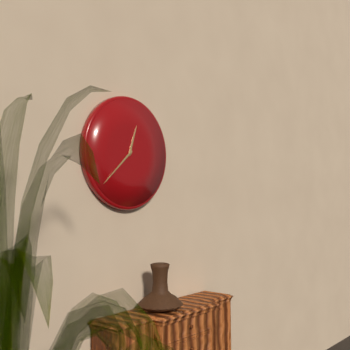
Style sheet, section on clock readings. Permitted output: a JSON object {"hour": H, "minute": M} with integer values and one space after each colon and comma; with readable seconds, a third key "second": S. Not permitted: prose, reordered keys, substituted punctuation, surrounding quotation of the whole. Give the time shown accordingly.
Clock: {"hour": 12, "minute": 38}
